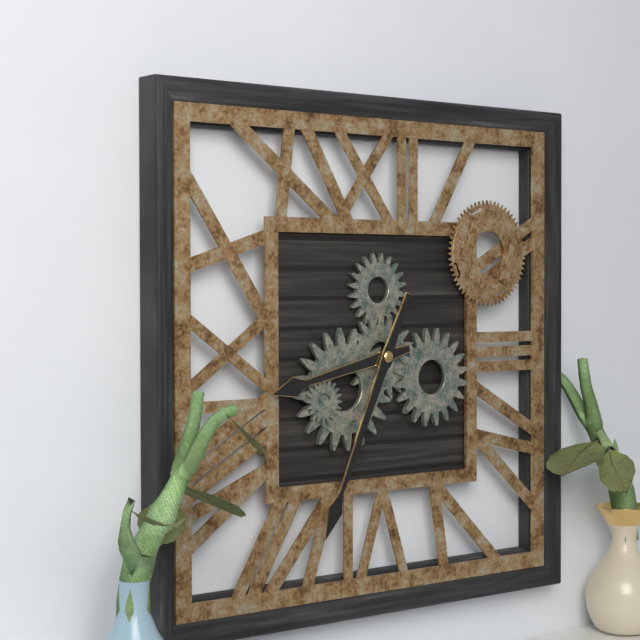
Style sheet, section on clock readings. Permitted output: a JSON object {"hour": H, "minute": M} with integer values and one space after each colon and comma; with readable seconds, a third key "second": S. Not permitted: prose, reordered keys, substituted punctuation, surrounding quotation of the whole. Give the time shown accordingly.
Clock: {"hour": 8, "minute": 34}
